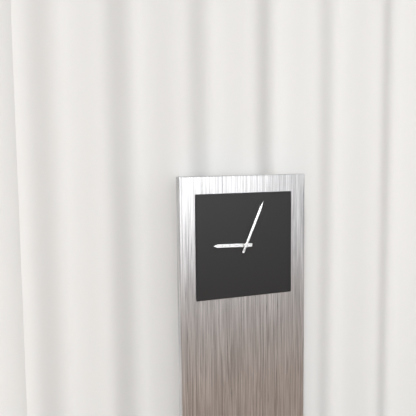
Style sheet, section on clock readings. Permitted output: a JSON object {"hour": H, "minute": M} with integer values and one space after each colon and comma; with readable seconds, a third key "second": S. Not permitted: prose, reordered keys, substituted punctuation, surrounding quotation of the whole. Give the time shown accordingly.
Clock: {"hour": 9, "minute": 4}
